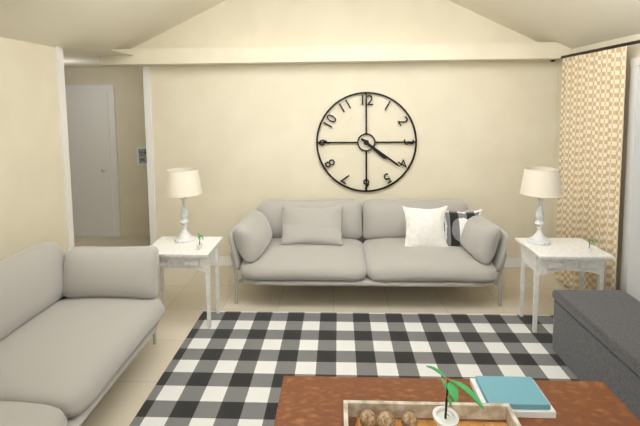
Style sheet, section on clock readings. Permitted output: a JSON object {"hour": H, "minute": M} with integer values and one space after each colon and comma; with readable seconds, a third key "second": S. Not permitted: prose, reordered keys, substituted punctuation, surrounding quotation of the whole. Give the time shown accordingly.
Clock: {"hour": 4, "minute": 21}
